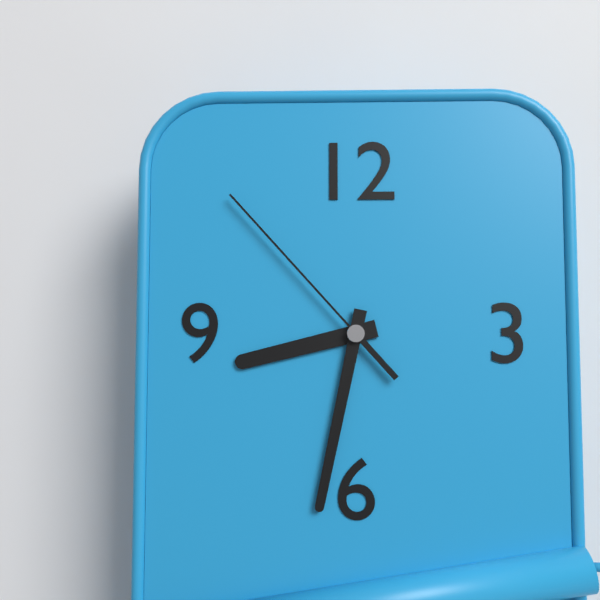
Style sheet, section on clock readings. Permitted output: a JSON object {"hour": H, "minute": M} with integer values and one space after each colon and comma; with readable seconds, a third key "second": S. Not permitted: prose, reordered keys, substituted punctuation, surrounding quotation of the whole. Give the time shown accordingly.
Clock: {"hour": 8, "minute": 32, "second": 53}
